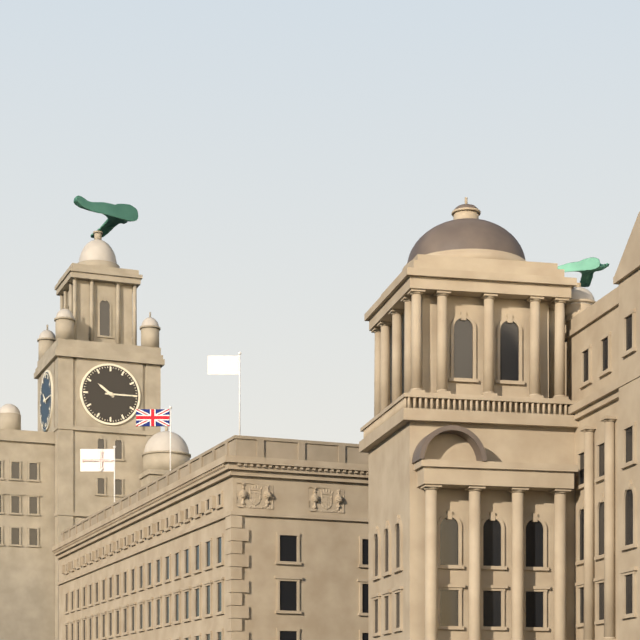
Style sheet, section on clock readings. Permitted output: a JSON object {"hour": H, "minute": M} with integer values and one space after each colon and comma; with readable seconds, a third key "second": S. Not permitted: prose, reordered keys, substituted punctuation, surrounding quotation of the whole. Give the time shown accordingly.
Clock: {"hour": 10, "minute": 15}
